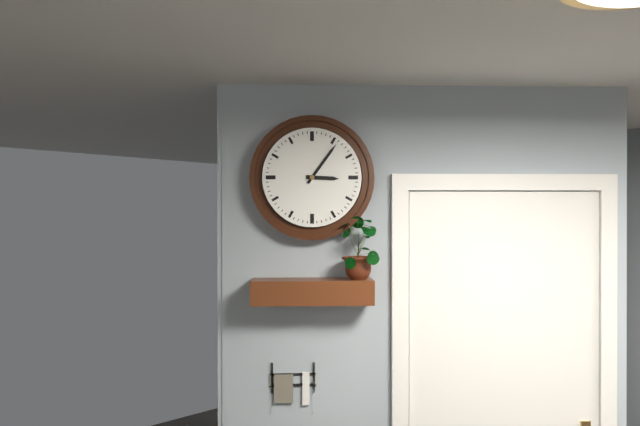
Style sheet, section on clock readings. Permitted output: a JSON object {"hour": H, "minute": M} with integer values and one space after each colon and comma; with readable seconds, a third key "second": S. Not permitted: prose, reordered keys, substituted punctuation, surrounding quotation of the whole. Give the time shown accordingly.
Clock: {"hour": 3, "minute": 6}
